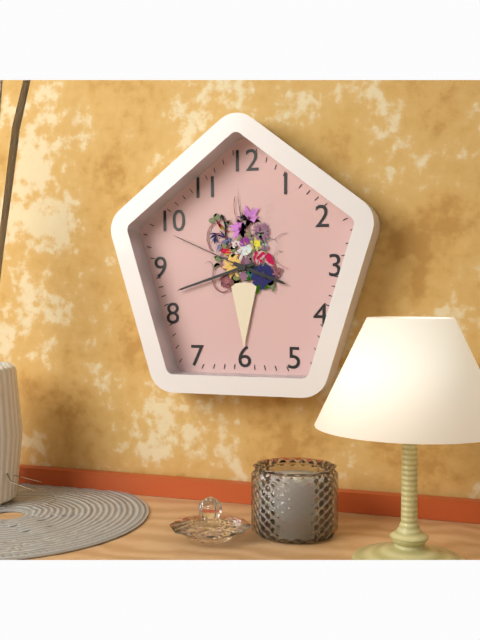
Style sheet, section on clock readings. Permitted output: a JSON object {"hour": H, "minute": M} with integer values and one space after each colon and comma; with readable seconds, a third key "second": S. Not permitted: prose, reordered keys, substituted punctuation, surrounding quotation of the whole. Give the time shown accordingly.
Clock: {"hour": 3, "minute": 42, "second": 49}
